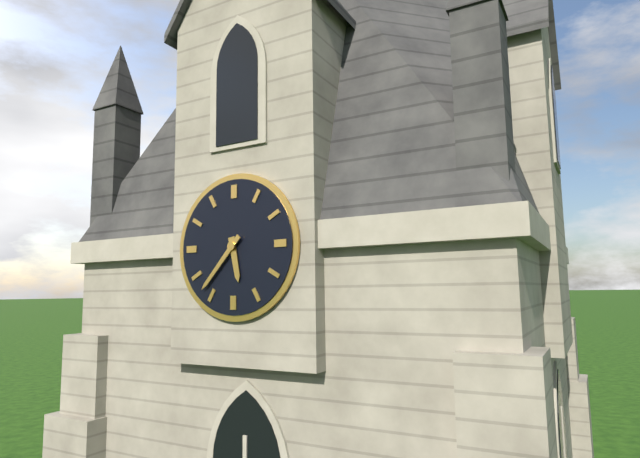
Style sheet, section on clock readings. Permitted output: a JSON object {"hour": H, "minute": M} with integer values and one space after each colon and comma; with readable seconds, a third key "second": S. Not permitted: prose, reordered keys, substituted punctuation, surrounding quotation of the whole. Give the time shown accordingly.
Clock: {"hour": 5, "minute": 37}
